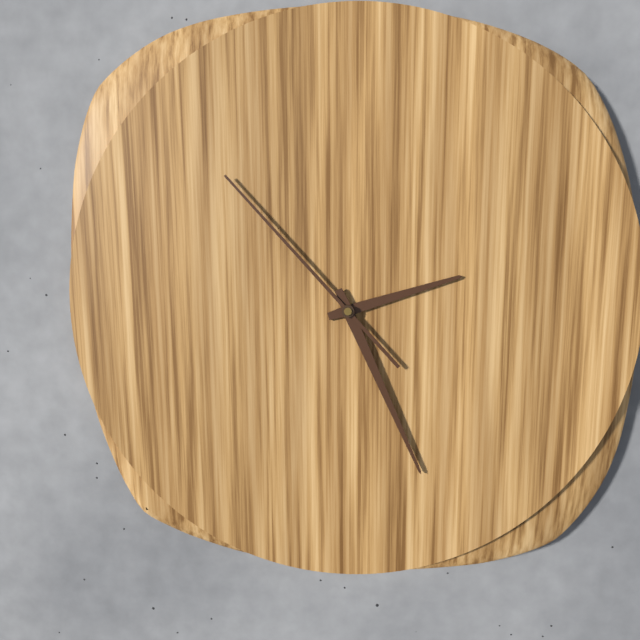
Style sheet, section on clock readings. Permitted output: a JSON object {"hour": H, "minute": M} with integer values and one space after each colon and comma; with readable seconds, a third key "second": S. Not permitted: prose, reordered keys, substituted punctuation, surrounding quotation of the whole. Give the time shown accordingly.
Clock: {"hour": 2, "minute": 26, "second": 53}
